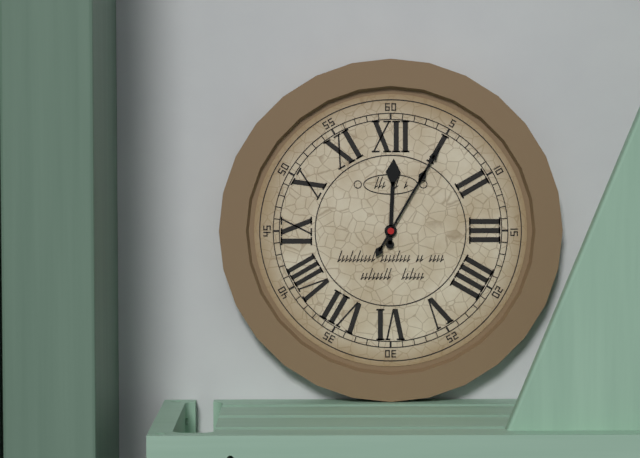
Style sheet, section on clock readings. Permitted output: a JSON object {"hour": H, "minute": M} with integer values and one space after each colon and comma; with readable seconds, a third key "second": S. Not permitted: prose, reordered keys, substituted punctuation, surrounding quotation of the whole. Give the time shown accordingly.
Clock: {"hour": 12, "minute": 5}
